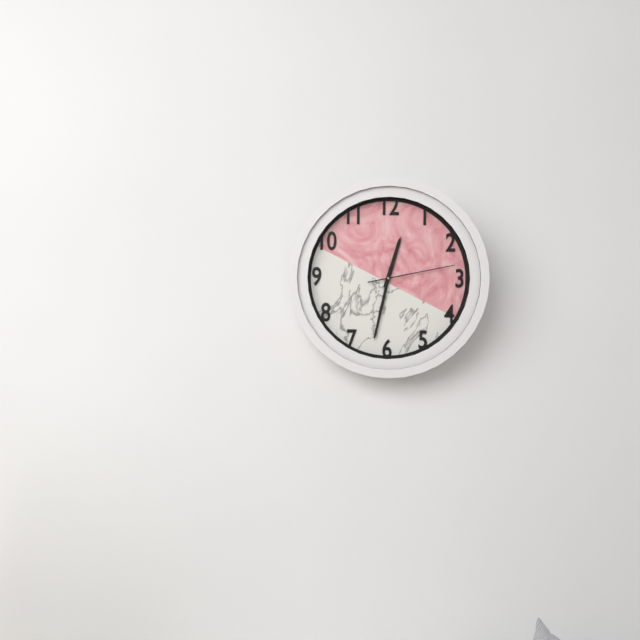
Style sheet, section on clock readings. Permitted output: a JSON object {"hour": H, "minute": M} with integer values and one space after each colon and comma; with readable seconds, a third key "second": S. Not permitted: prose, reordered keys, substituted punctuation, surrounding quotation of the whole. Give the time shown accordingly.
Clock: {"hour": 12, "minute": 32, "second": 13}
